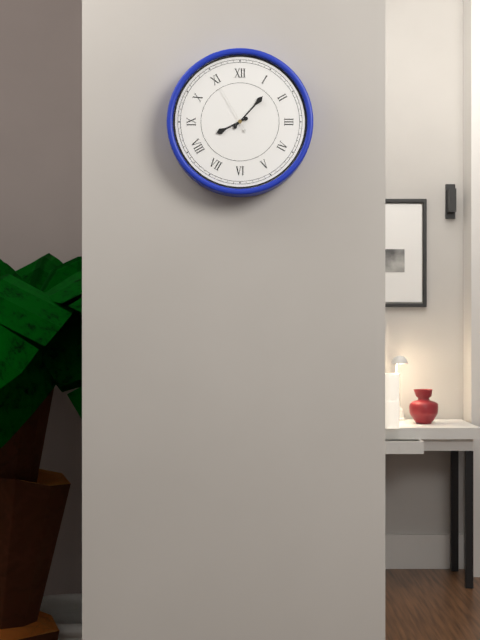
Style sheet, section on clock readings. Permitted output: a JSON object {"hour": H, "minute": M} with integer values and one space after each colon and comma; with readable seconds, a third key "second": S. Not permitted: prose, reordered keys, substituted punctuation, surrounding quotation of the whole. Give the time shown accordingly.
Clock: {"hour": 8, "minute": 7, "second": 55}
